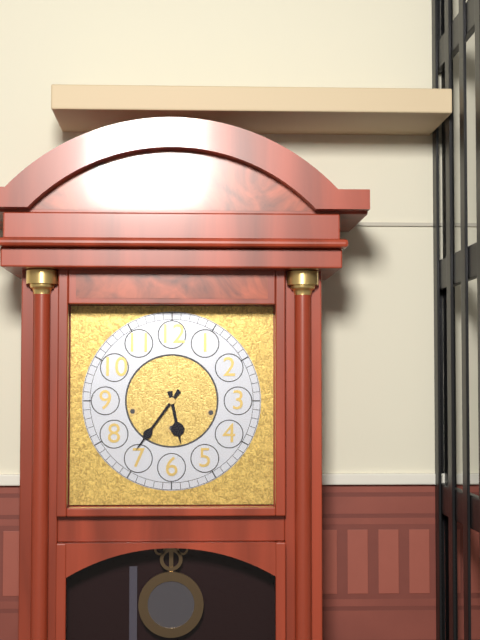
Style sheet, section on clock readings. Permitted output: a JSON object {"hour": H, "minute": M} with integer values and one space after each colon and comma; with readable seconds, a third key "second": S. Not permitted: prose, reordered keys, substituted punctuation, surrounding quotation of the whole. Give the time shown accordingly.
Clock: {"hour": 5, "minute": 36}
